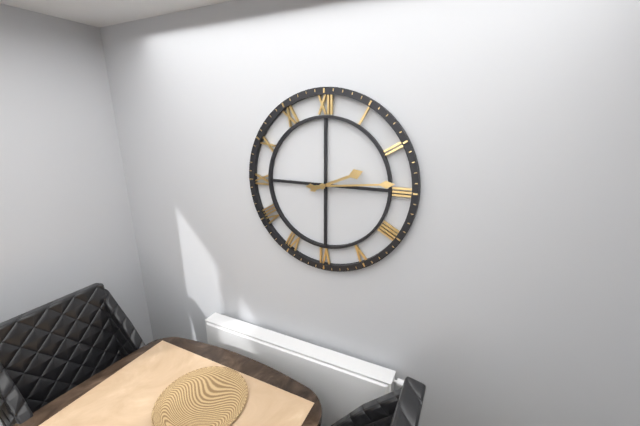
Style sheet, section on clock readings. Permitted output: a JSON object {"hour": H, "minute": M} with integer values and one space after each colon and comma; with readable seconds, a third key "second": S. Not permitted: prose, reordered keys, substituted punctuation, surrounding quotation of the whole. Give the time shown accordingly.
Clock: {"hour": 2, "minute": 14}
